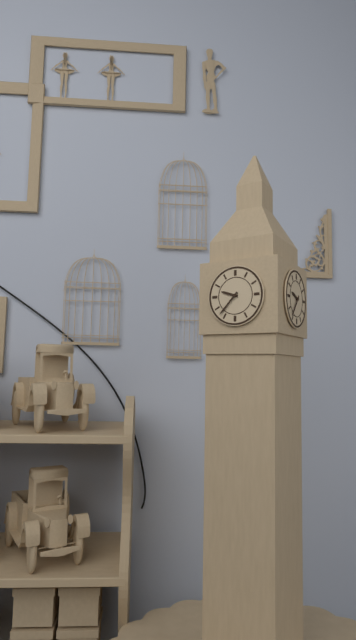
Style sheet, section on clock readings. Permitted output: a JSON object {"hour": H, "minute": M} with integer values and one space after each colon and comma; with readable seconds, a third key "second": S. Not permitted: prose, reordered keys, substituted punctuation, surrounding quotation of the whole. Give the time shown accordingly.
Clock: {"hour": 9, "minute": 37}
